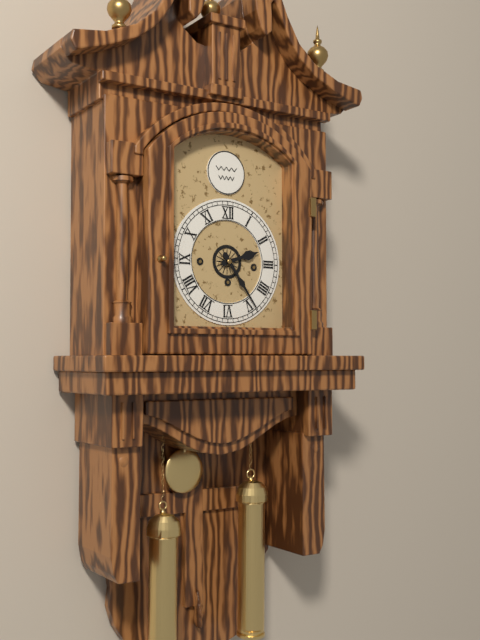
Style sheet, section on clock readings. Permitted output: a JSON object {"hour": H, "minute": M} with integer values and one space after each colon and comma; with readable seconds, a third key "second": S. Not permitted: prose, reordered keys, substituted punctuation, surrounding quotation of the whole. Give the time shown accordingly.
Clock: {"hour": 2, "minute": 24}
